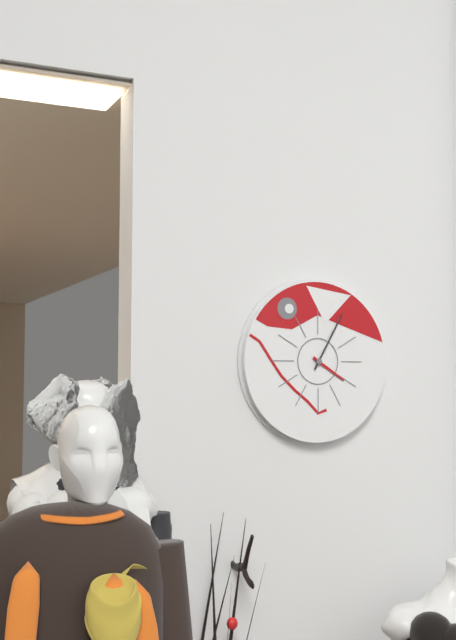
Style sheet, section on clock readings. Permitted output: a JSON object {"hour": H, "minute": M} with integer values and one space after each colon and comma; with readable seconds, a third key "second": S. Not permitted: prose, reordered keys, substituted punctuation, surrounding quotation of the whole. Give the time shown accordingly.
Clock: {"hour": 4, "minute": 5}
